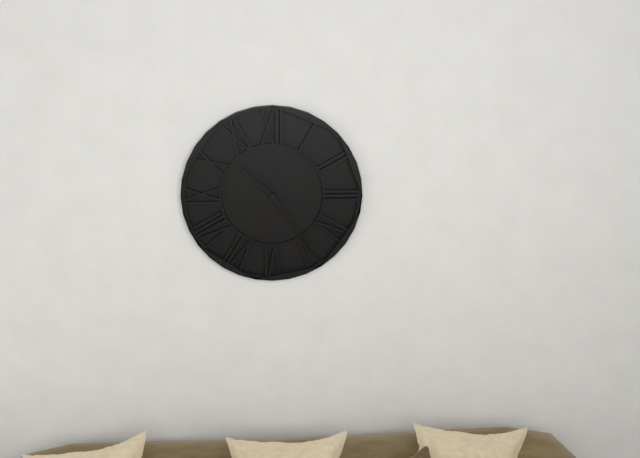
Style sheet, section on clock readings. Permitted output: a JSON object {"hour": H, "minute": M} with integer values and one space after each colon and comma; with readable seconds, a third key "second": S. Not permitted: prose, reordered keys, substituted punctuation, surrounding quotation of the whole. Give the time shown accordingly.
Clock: {"hour": 10, "minute": 24}
